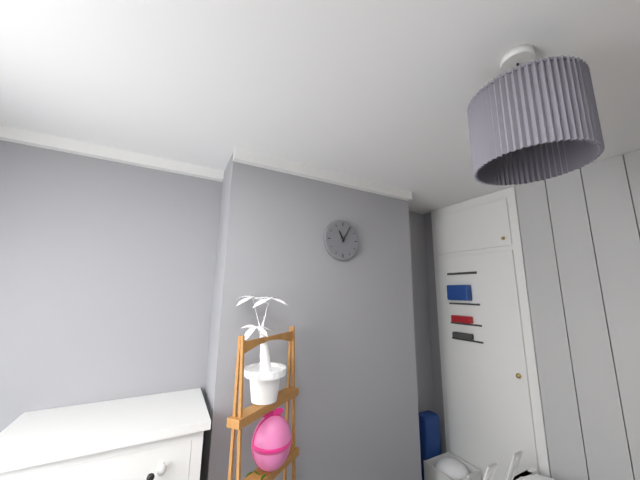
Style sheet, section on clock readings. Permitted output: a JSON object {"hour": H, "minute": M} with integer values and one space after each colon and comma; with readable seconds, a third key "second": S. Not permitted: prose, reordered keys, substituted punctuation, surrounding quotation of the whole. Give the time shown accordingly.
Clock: {"hour": 11, "minute": 5}
